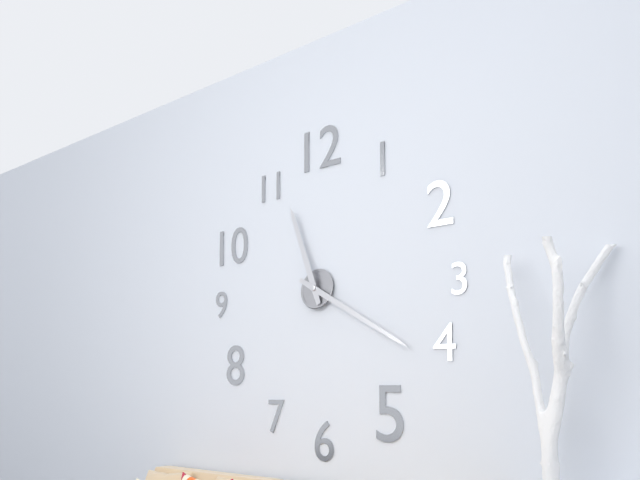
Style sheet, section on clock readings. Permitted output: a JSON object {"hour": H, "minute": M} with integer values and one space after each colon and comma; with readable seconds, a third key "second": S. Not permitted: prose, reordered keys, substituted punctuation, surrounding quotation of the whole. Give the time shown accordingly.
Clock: {"hour": 11, "minute": 20}
